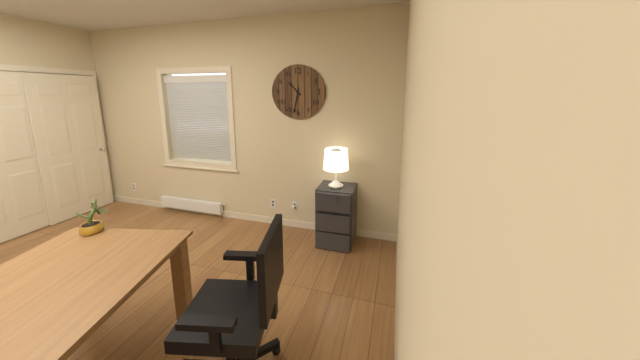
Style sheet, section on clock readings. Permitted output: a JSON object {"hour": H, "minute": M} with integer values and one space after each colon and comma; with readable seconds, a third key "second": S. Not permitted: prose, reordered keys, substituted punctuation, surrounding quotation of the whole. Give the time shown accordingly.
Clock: {"hour": 10, "minute": 32}
